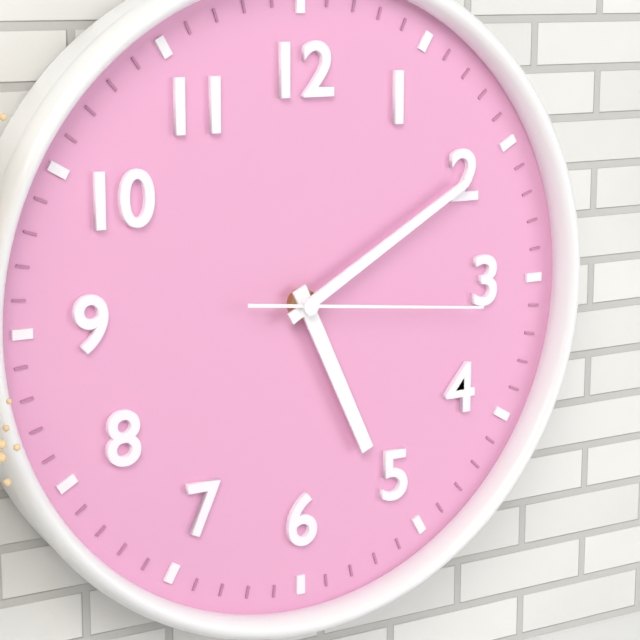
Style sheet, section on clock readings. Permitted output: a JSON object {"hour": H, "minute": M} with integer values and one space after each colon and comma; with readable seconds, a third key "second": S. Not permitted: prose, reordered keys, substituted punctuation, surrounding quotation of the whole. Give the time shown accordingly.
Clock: {"hour": 5, "minute": 10, "second": 16}
